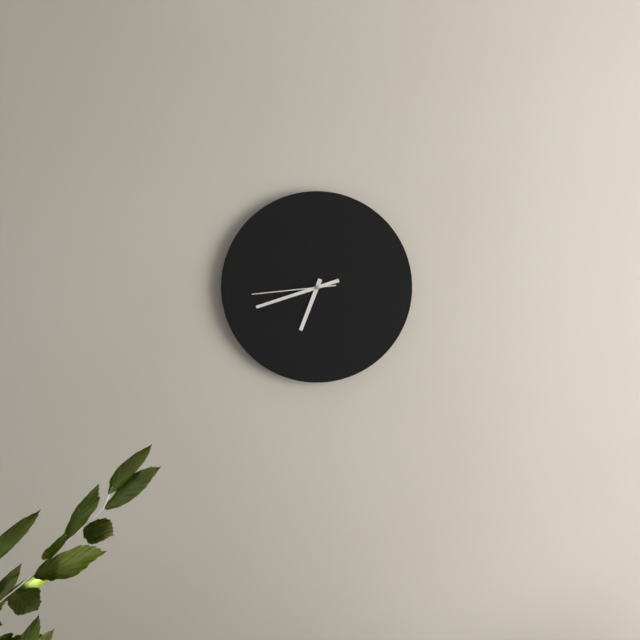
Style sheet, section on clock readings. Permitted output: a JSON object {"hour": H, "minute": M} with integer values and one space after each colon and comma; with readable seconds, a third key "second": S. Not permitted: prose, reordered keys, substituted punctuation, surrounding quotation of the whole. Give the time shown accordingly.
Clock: {"hour": 6, "minute": 42, "second": 44}
